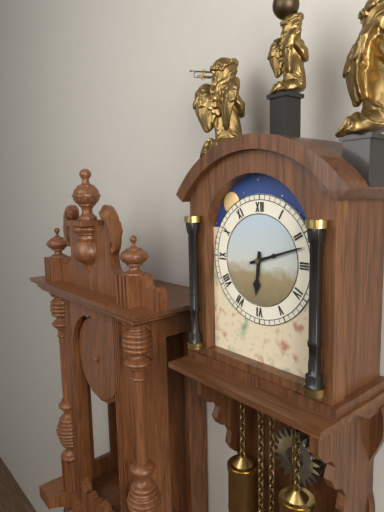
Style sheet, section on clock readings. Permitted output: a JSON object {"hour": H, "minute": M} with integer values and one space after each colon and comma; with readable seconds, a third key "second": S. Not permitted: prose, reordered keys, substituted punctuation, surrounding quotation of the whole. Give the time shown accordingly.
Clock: {"hour": 6, "minute": 12}
